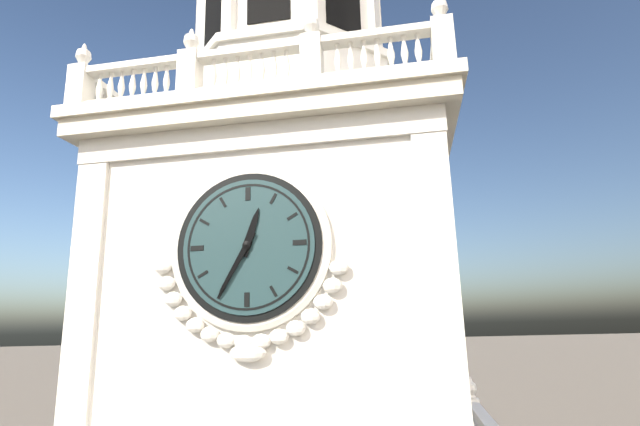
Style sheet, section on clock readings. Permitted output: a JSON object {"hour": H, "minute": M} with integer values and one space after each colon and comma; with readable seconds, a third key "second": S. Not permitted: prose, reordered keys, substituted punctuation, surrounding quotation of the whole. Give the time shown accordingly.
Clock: {"hour": 12, "minute": 35}
